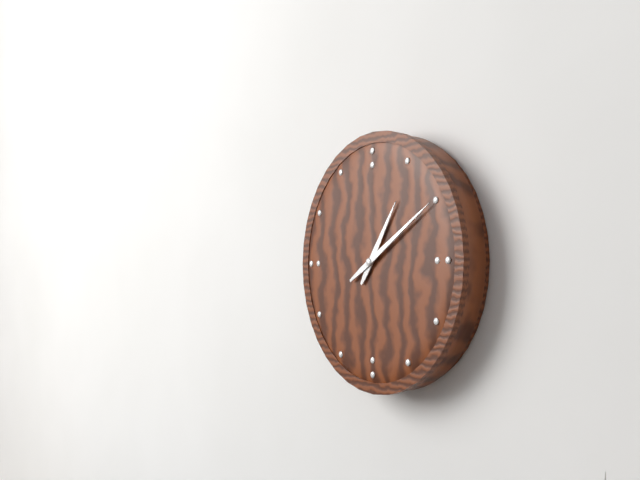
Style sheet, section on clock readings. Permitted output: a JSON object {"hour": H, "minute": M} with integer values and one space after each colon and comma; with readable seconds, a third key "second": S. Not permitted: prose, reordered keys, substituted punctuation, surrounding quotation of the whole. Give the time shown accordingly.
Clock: {"hour": 1, "minute": 10}
